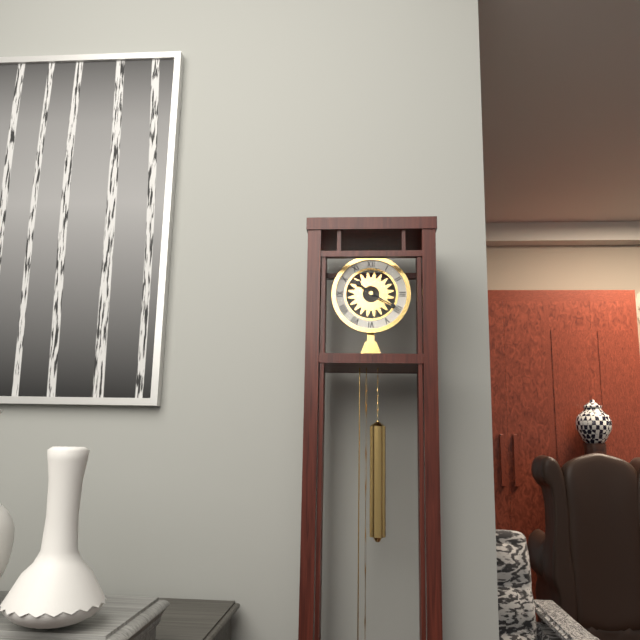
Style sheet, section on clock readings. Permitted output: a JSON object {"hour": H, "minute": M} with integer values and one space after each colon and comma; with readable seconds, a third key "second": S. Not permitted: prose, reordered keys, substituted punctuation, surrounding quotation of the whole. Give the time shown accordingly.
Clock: {"hour": 10, "minute": 20}
